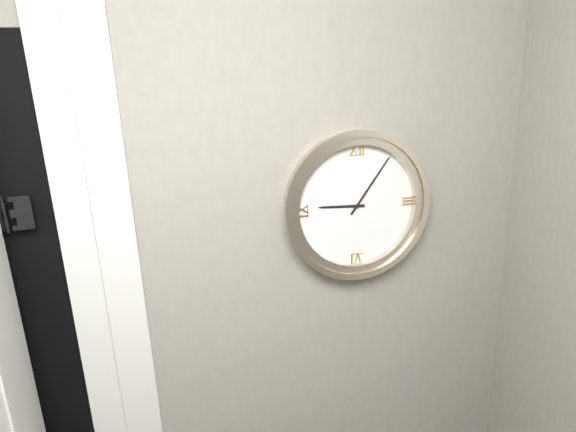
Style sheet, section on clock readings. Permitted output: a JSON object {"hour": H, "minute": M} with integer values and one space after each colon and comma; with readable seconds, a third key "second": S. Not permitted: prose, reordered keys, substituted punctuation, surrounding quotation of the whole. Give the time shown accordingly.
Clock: {"hour": 9, "minute": 6}
